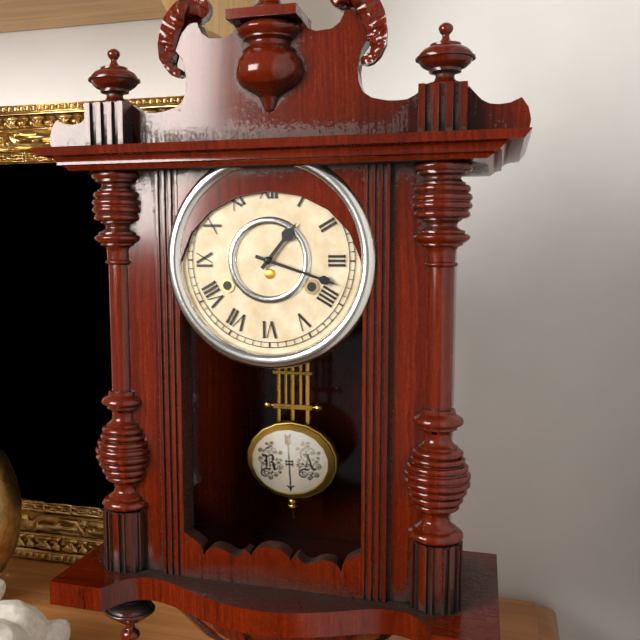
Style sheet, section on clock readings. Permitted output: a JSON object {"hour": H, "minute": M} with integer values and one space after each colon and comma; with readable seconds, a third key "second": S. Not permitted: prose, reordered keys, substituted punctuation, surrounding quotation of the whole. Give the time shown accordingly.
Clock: {"hour": 1, "minute": 18}
